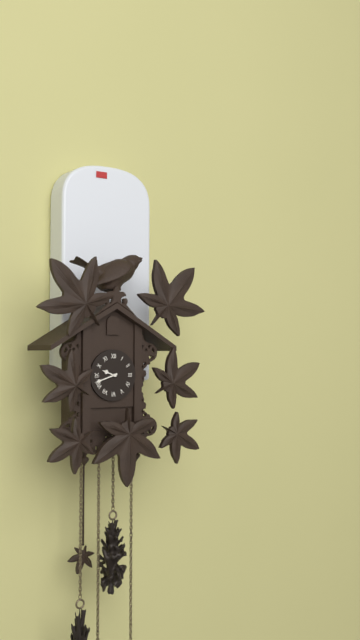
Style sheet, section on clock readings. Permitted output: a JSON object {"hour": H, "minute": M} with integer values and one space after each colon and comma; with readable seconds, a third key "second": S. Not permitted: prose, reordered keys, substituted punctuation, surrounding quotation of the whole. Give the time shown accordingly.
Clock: {"hour": 9, "minute": 42}
